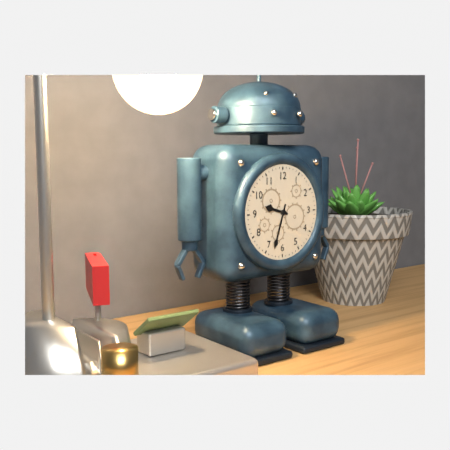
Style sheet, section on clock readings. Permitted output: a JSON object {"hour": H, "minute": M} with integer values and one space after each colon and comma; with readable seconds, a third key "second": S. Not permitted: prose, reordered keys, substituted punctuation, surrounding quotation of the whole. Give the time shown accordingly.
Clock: {"hour": 9, "minute": 33}
